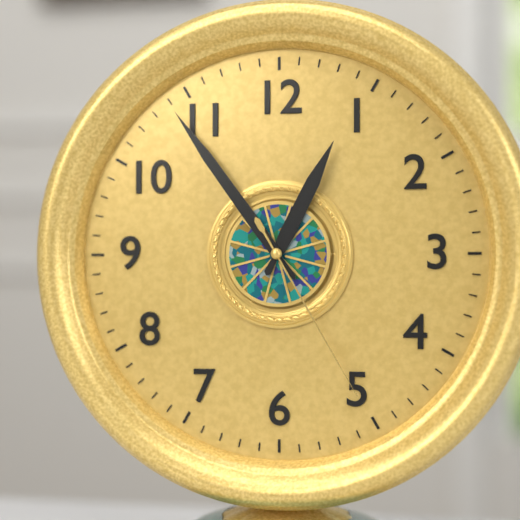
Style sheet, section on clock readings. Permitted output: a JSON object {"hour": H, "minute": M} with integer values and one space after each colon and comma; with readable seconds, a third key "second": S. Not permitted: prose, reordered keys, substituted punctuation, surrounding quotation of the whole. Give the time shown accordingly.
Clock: {"hour": 12, "minute": 54, "second": 25}
